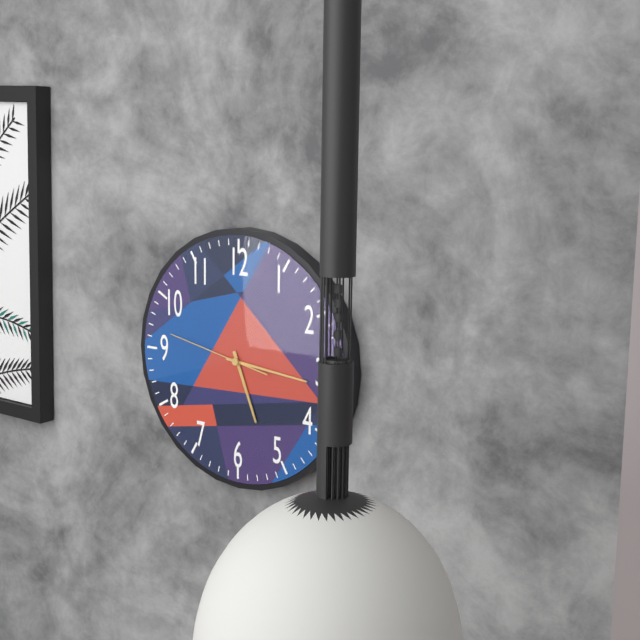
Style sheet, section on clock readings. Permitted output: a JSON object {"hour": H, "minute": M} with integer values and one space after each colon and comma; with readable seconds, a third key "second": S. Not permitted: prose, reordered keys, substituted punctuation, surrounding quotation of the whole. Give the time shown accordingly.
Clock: {"hour": 5, "minute": 16, "second": 47}
